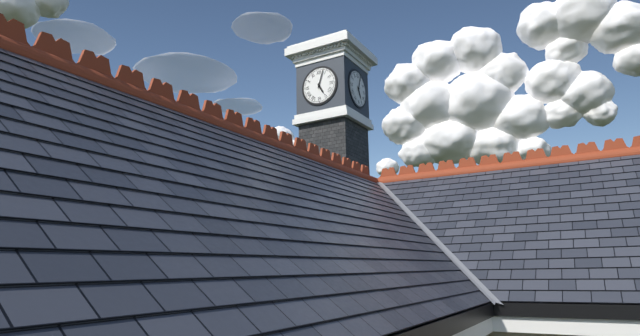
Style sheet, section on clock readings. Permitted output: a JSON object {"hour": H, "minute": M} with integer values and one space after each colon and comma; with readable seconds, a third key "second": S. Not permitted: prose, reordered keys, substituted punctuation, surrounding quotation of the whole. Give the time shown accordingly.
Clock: {"hour": 5, "minute": 3}
